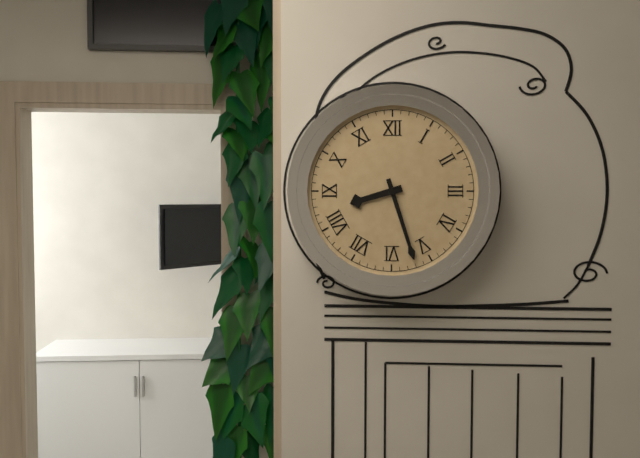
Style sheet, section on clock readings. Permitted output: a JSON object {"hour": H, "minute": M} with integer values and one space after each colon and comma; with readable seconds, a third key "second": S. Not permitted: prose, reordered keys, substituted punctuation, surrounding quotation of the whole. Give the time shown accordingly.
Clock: {"hour": 8, "minute": 27}
